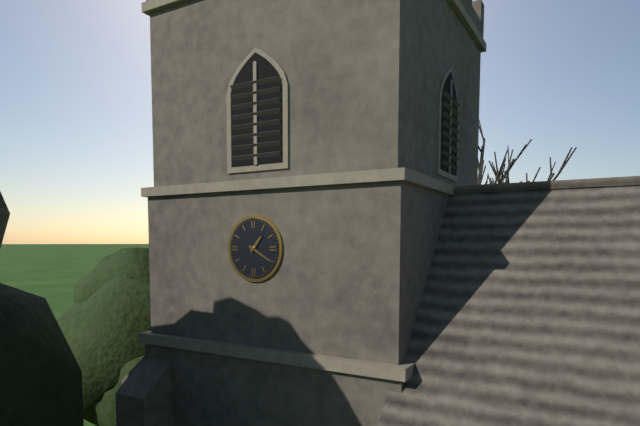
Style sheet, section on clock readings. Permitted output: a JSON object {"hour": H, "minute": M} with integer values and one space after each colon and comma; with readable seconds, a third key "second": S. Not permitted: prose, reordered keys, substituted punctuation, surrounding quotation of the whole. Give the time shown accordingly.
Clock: {"hour": 1, "minute": 20}
